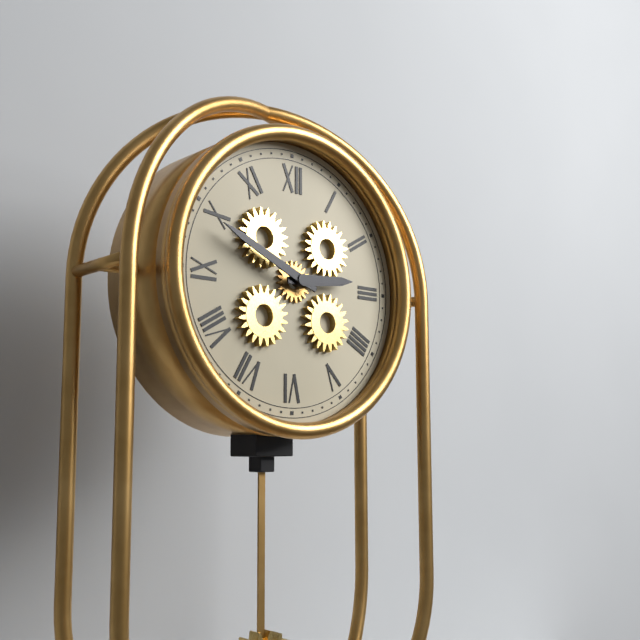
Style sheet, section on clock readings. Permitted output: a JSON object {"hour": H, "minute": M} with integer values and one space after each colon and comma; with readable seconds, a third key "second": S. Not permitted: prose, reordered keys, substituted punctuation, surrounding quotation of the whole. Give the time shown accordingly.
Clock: {"hour": 2, "minute": 49}
